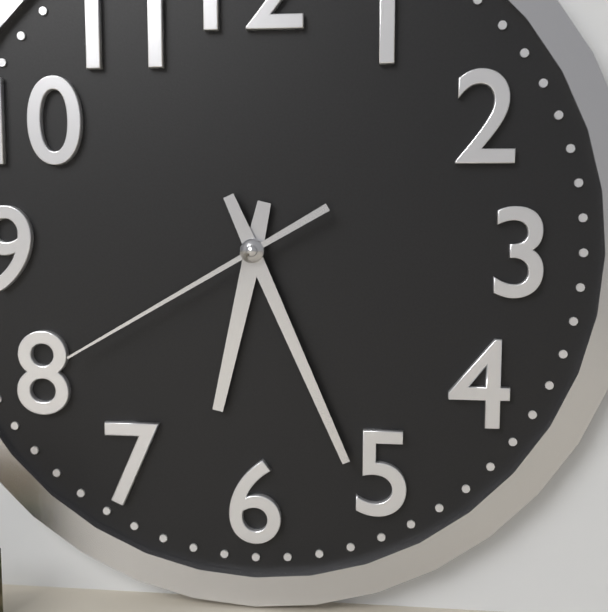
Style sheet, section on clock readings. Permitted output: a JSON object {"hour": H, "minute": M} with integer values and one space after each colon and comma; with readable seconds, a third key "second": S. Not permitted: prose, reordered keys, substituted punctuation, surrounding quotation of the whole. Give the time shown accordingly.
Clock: {"hour": 6, "minute": 26, "second": 40}
